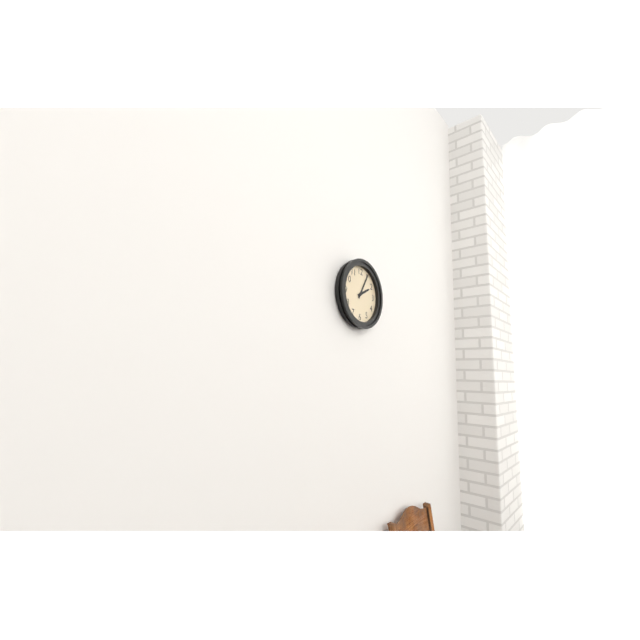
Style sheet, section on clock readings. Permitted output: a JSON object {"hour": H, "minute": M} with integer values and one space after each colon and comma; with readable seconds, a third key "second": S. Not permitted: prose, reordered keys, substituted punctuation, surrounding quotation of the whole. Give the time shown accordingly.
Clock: {"hour": 2, "minute": 5}
